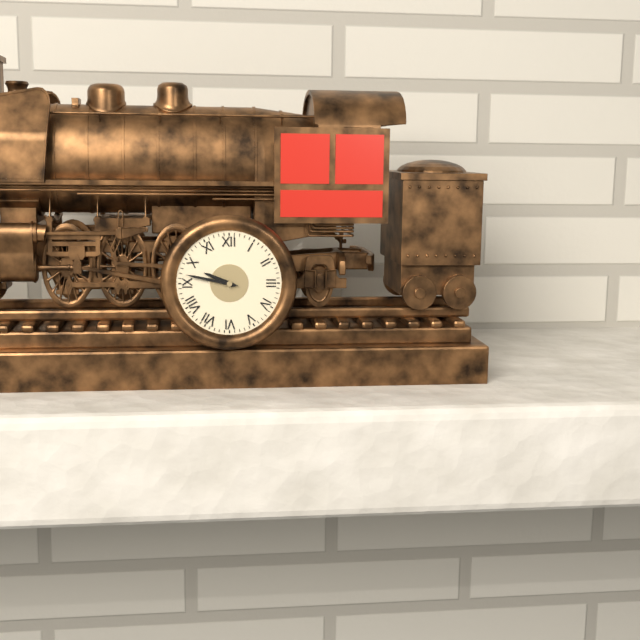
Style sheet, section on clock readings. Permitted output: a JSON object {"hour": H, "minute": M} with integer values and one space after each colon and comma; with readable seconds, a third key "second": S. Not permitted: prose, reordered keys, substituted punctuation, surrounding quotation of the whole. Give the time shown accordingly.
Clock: {"hour": 9, "minute": 47}
